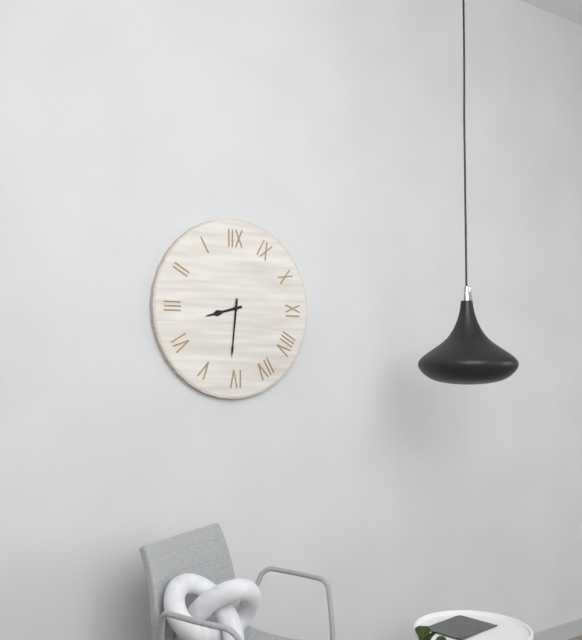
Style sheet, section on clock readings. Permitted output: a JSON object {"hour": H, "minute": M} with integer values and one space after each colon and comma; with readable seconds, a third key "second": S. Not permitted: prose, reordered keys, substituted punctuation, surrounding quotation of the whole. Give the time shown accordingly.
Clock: {"hour": 8, "minute": 31}
